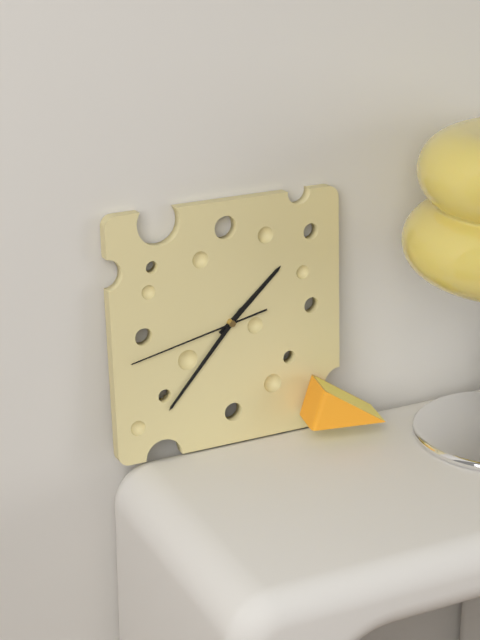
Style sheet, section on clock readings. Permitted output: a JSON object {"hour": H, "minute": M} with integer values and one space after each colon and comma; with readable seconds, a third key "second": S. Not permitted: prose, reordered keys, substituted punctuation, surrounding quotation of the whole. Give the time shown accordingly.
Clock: {"hour": 1, "minute": 37, "second": 43}
